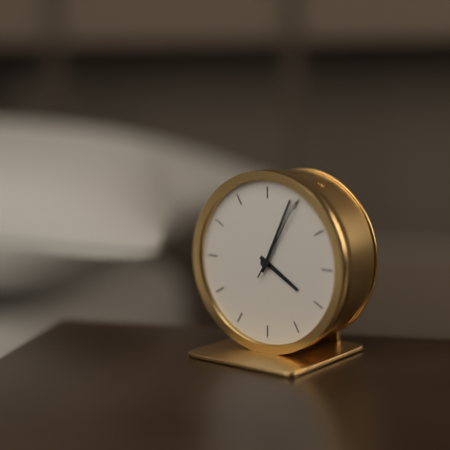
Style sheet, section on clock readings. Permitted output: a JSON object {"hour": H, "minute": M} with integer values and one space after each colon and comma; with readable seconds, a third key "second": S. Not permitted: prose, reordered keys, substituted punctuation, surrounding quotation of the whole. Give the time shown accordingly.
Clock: {"hour": 4, "minute": 4, "second": 5}
